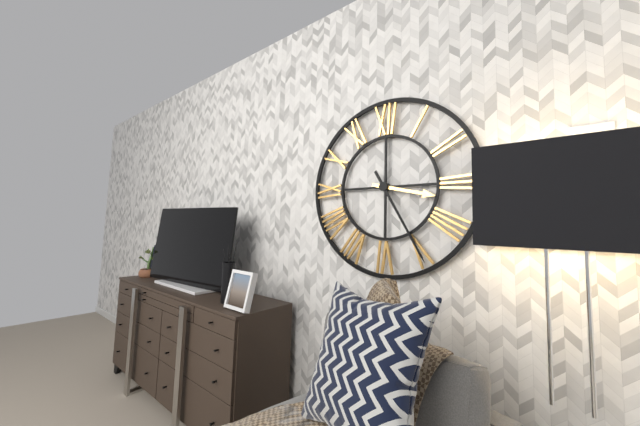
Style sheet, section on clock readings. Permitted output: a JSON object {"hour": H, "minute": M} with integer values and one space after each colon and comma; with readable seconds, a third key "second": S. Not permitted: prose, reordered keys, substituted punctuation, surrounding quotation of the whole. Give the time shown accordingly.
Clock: {"hour": 3, "minute": 25}
